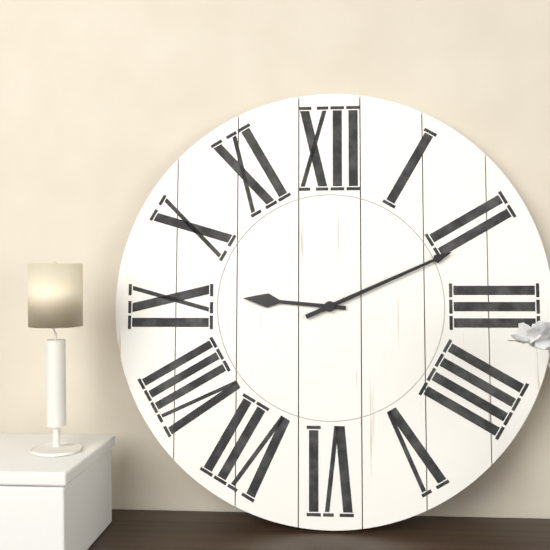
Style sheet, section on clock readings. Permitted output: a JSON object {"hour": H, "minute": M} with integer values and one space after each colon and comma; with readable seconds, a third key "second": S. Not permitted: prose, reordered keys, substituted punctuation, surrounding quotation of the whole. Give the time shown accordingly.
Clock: {"hour": 9, "minute": 11}
